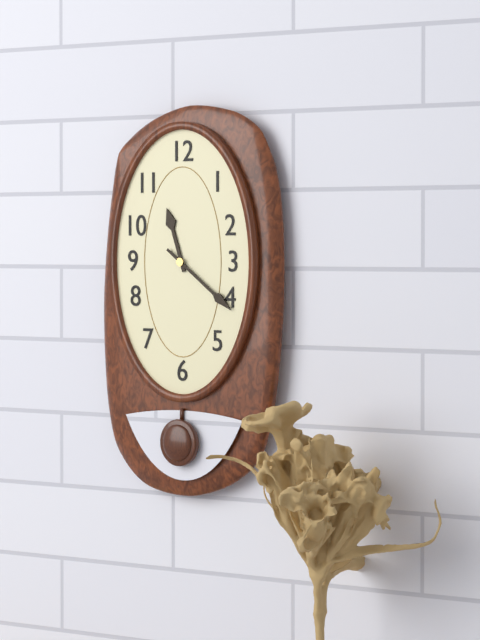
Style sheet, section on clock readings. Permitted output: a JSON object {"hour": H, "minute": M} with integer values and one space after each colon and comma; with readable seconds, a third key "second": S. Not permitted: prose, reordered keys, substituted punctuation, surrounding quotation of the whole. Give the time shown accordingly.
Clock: {"hour": 11, "minute": 21}
